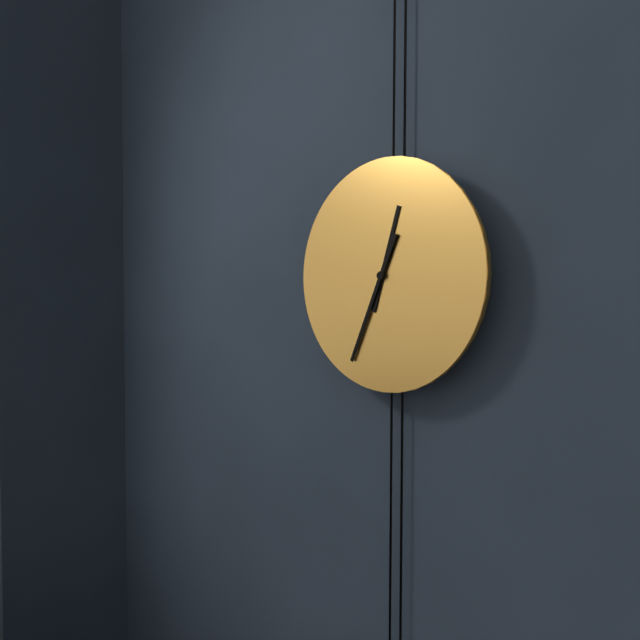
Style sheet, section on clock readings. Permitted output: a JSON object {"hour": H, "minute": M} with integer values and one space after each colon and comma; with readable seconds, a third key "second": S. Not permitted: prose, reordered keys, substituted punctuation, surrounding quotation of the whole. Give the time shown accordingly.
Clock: {"hour": 12, "minute": 34}
